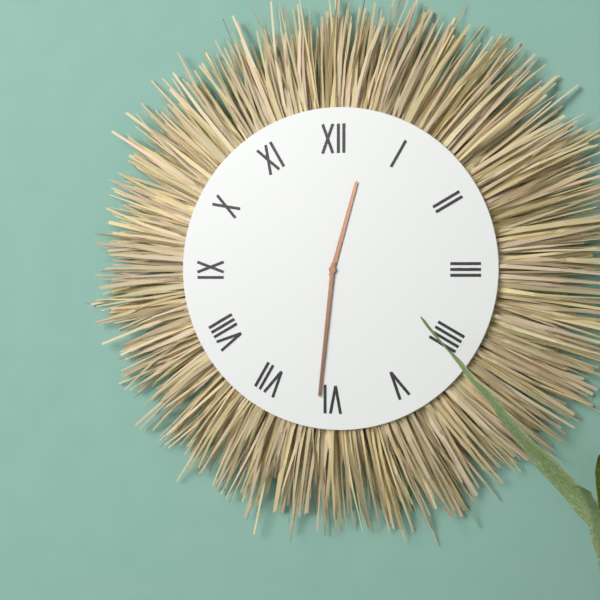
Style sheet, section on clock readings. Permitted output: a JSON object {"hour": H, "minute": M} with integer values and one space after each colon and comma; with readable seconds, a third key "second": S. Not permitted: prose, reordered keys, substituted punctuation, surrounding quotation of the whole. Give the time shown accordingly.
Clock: {"hour": 12, "minute": 31}
